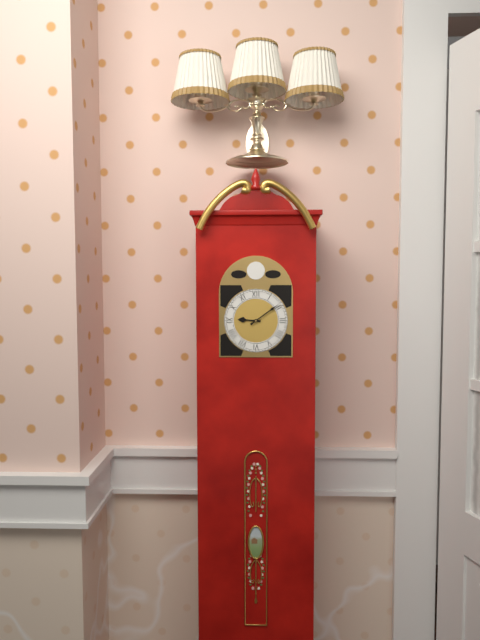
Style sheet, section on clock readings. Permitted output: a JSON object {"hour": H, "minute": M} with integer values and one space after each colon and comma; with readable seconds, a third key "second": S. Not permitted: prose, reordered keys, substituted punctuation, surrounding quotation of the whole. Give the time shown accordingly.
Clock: {"hour": 9, "minute": 9}
